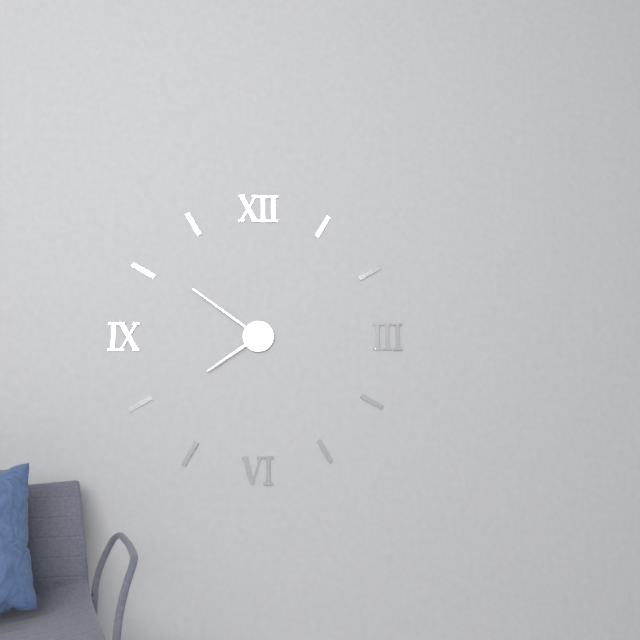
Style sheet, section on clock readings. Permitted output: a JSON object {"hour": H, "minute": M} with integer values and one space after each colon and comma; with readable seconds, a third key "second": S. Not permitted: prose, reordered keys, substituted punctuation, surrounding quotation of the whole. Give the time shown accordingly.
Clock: {"hour": 7, "minute": 51}
